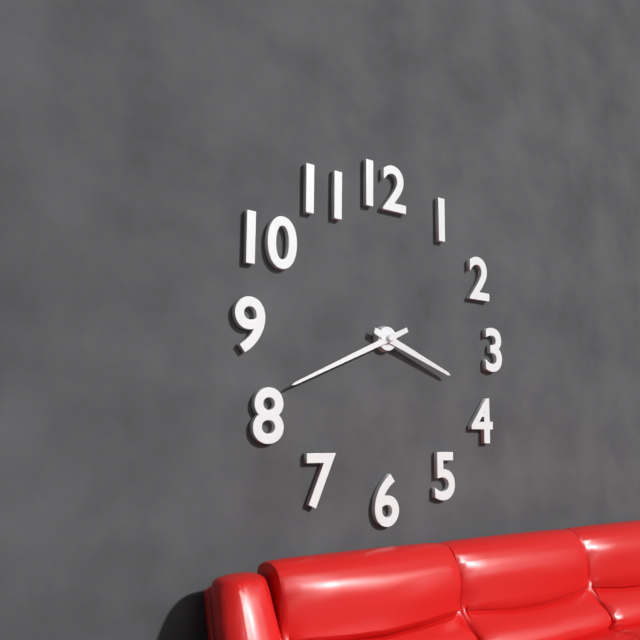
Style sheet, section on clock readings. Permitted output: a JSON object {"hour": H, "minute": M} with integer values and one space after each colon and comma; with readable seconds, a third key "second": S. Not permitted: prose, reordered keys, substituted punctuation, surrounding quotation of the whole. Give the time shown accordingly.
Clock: {"hour": 3, "minute": 41}
